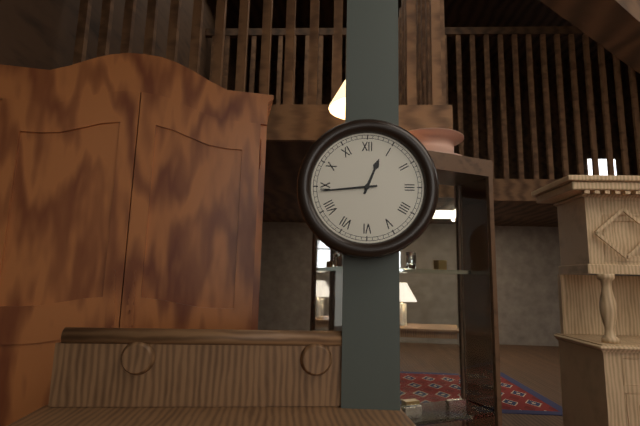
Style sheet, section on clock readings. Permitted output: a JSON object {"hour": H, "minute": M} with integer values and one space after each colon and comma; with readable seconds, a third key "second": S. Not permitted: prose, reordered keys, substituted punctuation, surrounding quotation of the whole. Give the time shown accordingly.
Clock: {"hour": 12, "minute": 44}
